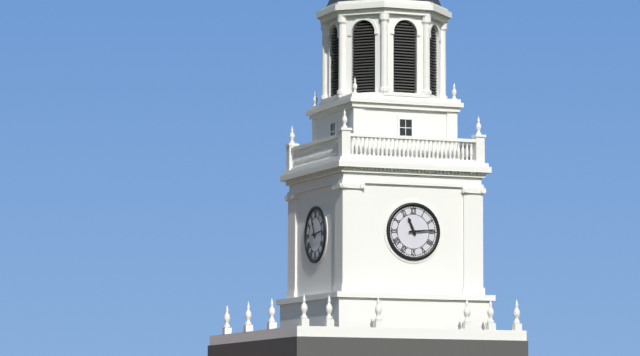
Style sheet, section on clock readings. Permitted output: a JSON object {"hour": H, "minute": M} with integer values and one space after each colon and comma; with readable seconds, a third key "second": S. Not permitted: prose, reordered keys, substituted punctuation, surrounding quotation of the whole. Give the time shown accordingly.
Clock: {"hour": 11, "minute": 14}
